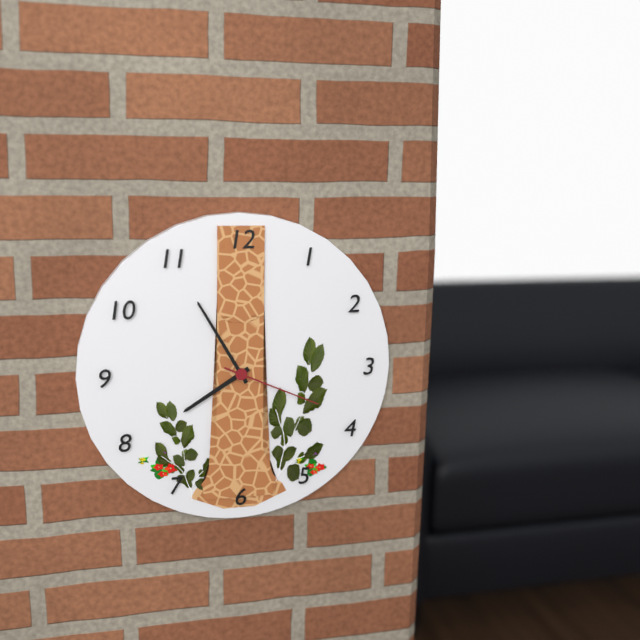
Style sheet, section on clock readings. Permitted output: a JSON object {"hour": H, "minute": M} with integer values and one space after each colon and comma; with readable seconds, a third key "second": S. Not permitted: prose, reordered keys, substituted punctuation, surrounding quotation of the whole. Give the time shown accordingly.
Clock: {"hour": 7, "minute": 55, "second": 19}
